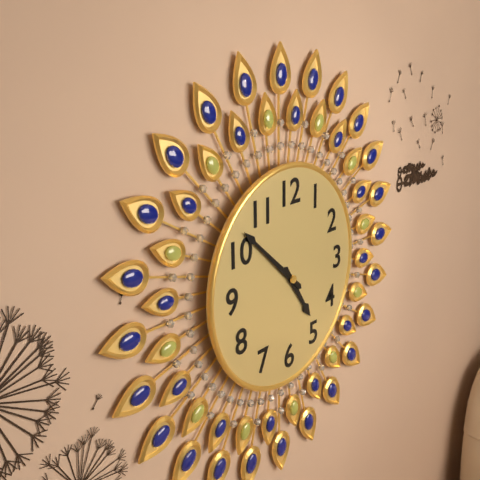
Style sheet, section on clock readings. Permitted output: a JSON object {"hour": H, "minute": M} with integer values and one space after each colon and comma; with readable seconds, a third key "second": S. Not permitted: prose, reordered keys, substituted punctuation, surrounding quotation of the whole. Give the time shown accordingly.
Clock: {"hour": 4, "minute": 52}
